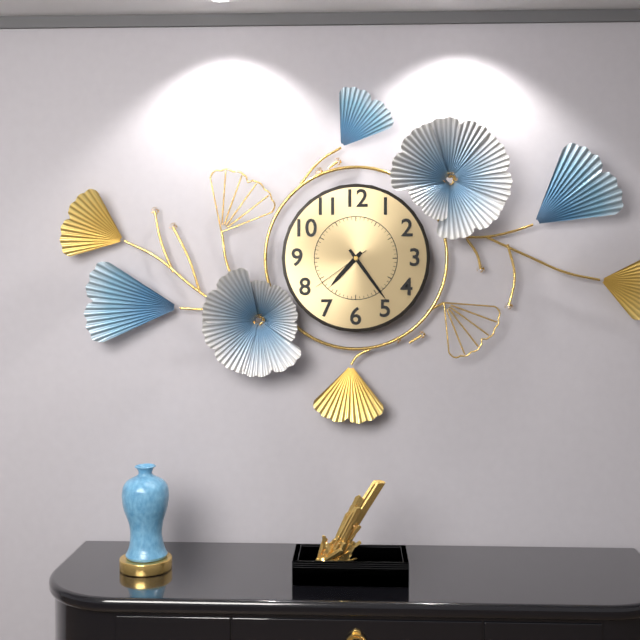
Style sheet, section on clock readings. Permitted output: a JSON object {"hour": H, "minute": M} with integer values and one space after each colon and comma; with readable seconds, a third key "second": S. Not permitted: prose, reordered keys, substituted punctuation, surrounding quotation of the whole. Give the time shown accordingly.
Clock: {"hour": 7, "minute": 24, "second": 39}
